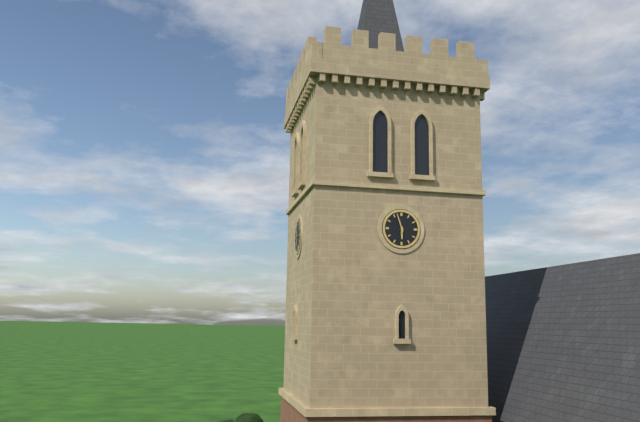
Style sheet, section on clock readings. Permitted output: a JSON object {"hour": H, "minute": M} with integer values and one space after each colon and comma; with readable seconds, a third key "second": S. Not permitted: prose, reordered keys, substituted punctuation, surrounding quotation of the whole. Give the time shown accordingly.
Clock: {"hour": 5, "minute": 57}
